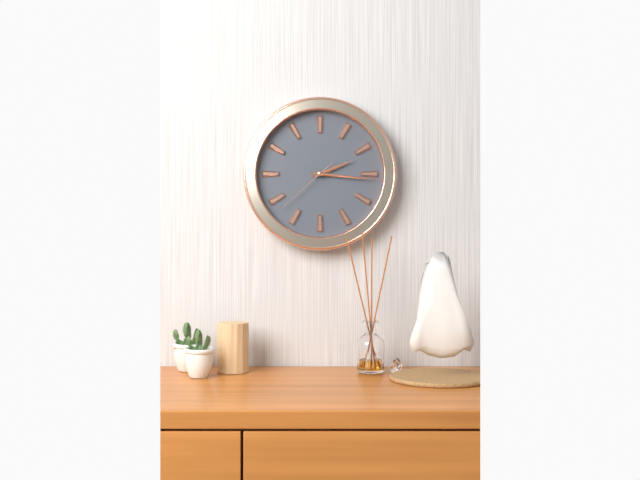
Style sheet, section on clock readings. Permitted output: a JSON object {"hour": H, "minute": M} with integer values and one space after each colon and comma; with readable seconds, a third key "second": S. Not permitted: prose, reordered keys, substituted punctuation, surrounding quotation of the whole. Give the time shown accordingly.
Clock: {"hour": 2, "minute": 16, "second": 38}
